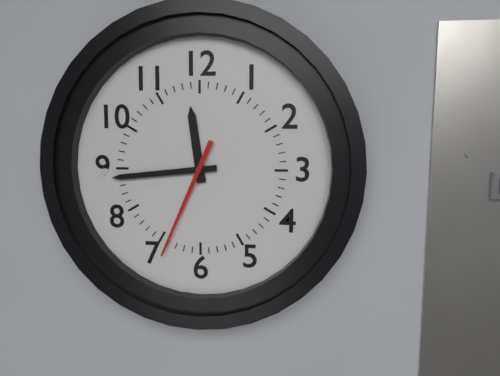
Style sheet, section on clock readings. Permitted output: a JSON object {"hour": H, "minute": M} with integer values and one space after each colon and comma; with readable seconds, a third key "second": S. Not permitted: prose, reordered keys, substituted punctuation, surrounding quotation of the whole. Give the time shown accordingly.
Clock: {"hour": 11, "minute": 44, "second": 34}
